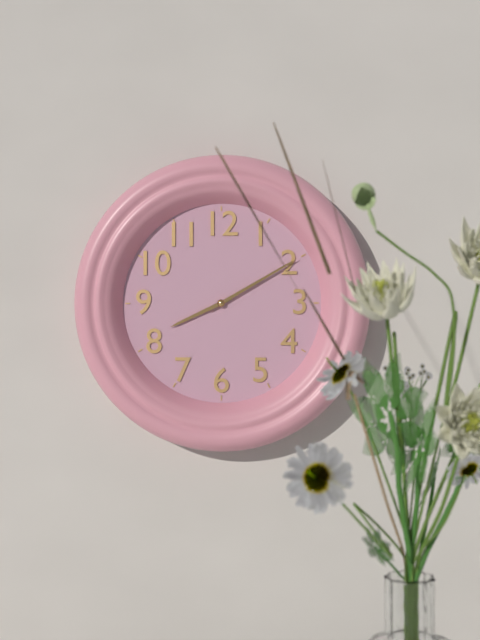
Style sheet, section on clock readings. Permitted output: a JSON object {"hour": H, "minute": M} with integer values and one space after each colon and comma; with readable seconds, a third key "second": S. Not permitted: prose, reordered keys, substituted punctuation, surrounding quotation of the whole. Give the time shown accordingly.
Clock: {"hour": 8, "minute": 10}
